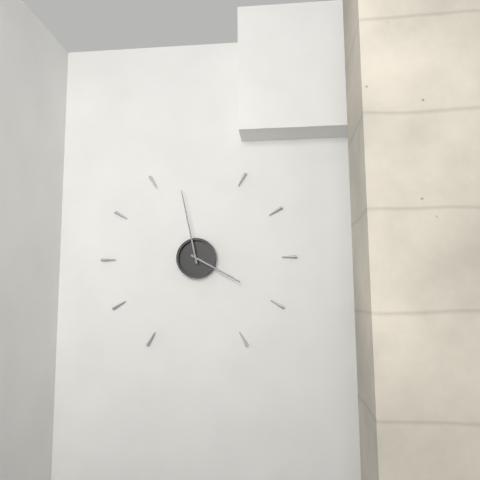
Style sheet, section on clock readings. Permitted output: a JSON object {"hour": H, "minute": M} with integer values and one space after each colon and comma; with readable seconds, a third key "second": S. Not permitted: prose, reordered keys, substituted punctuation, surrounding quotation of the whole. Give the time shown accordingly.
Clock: {"hour": 3, "minute": 58}
